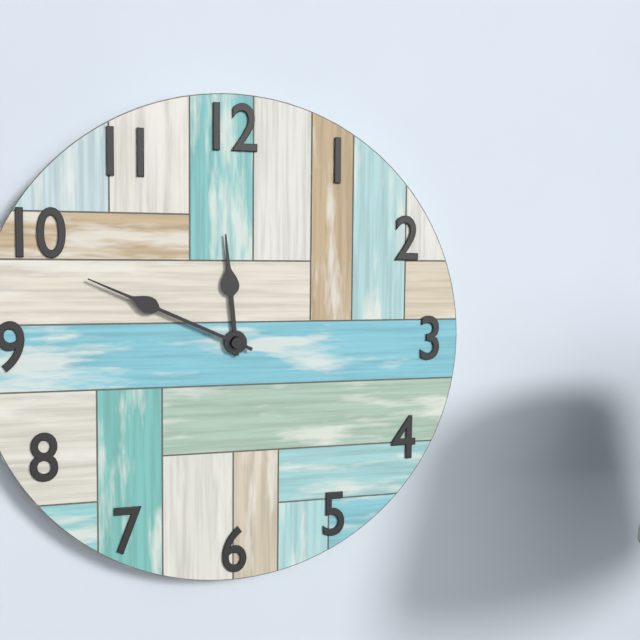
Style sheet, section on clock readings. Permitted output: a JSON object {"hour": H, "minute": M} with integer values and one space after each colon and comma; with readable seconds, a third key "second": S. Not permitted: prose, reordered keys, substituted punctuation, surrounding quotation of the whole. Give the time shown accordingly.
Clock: {"hour": 11, "minute": 49}
